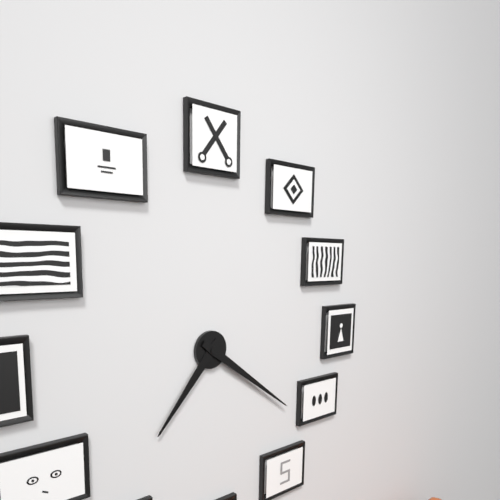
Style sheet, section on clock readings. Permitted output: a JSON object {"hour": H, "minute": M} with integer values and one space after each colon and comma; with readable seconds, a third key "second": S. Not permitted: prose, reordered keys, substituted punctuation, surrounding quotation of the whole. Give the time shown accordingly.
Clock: {"hour": 7, "minute": 21}
